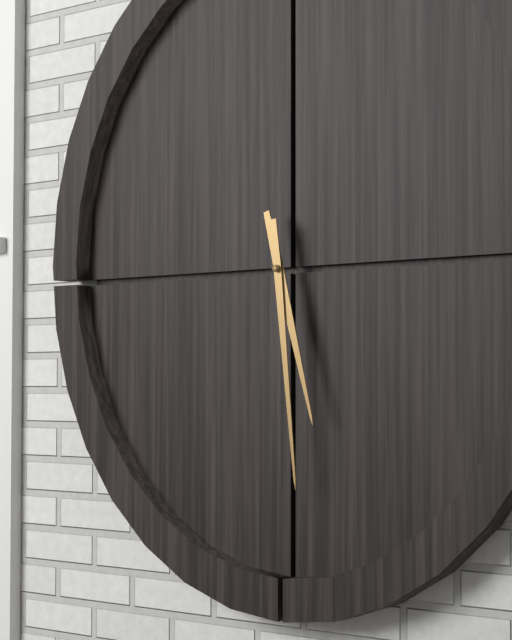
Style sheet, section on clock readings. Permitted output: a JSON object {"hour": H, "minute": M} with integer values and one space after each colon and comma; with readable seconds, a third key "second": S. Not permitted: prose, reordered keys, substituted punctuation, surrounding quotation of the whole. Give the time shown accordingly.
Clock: {"hour": 5, "minute": 29}
